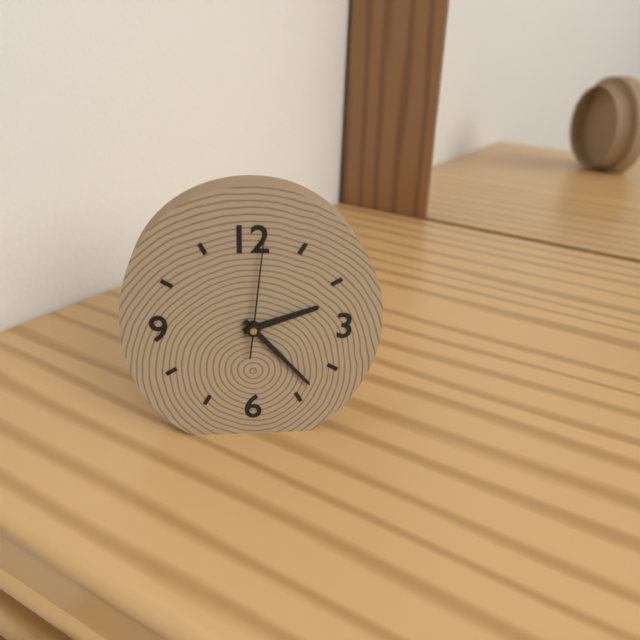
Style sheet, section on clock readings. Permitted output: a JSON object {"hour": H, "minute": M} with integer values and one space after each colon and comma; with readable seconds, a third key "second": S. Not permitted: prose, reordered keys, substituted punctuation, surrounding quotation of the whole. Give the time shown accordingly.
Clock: {"hour": 2, "minute": 23, "second": 1}
